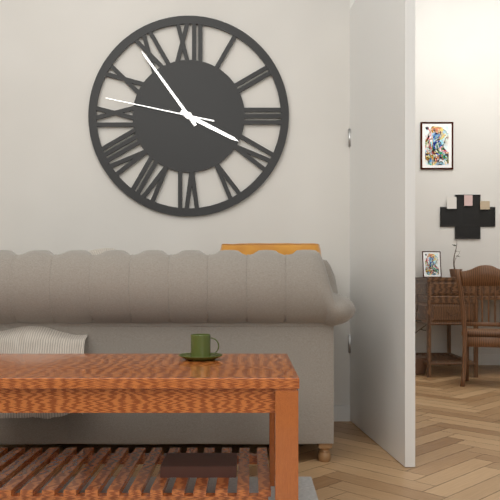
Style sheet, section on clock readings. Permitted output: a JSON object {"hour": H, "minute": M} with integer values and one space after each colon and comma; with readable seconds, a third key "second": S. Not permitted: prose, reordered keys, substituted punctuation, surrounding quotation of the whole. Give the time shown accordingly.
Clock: {"hour": 3, "minute": 54, "second": 47}
